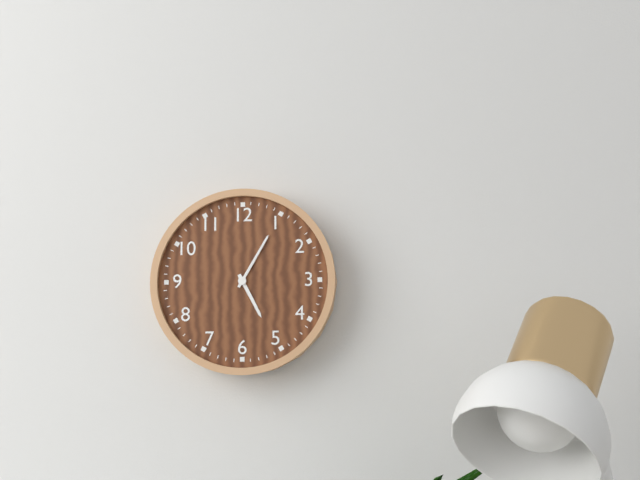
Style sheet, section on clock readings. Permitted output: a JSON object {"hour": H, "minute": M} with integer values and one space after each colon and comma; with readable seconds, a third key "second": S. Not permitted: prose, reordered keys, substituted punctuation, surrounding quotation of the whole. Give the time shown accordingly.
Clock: {"hour": 5, "minute": 5}
